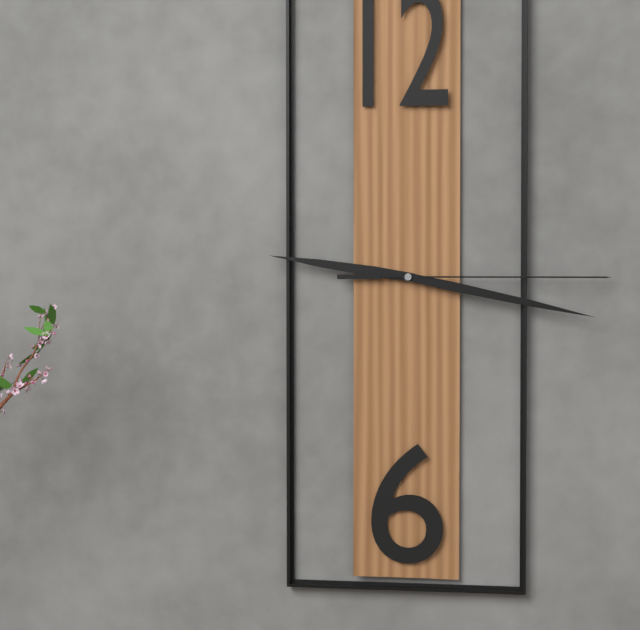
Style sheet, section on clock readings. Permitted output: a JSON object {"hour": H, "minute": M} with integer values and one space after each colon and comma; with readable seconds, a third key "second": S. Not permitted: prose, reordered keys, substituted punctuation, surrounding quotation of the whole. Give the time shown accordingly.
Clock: {"hour": 9, "minute": 17, "second": 15}
